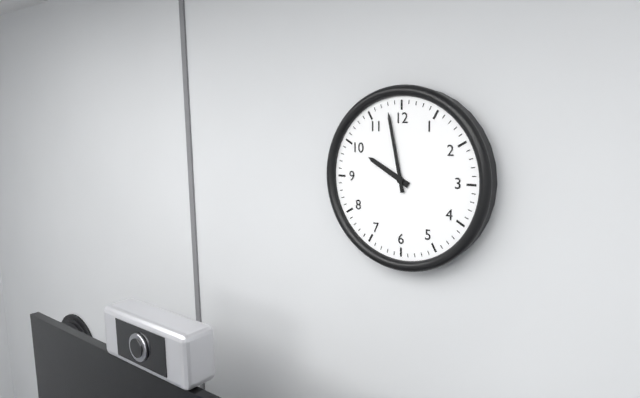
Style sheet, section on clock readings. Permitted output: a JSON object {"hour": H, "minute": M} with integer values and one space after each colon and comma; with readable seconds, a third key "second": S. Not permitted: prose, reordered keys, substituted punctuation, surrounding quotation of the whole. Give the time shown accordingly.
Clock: {"hour": 9, "minute": 58}
